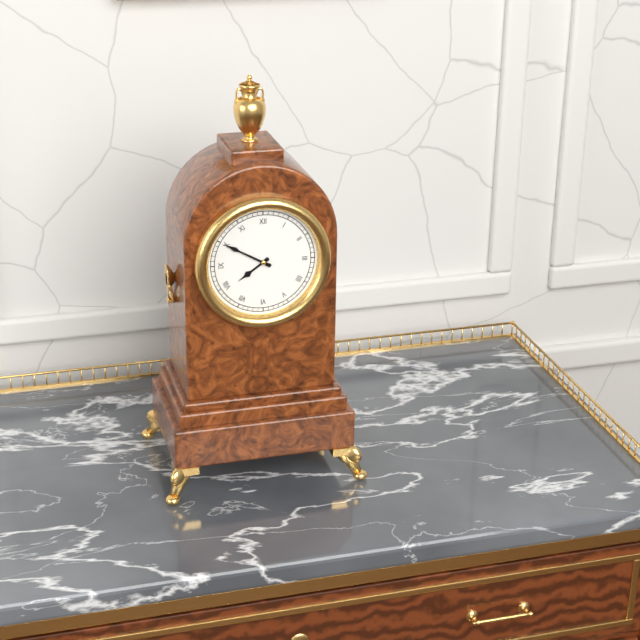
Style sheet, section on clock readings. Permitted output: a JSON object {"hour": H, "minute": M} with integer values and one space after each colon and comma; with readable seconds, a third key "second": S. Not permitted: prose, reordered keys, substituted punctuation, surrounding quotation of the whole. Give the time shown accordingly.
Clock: {"hour": 7, "minute": 50}
